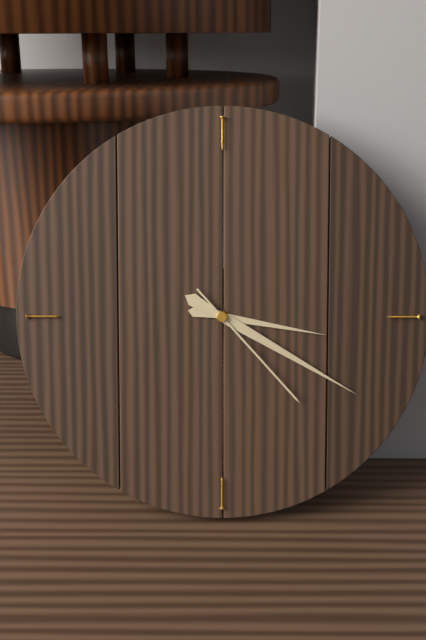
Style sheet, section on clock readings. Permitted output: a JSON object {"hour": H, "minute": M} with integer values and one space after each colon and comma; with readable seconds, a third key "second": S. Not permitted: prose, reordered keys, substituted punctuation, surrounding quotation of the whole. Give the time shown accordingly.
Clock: {"hour": 3, "minute": 20, "second": 23}
